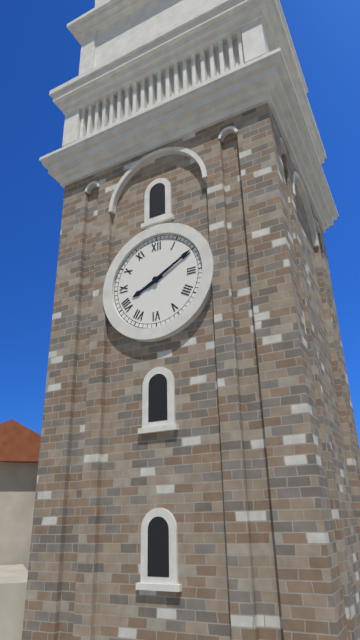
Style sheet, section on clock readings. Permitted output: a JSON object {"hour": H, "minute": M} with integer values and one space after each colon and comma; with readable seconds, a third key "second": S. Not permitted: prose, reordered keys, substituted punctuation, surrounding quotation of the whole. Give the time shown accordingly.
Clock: {"hour": 8, "minute": 10}
